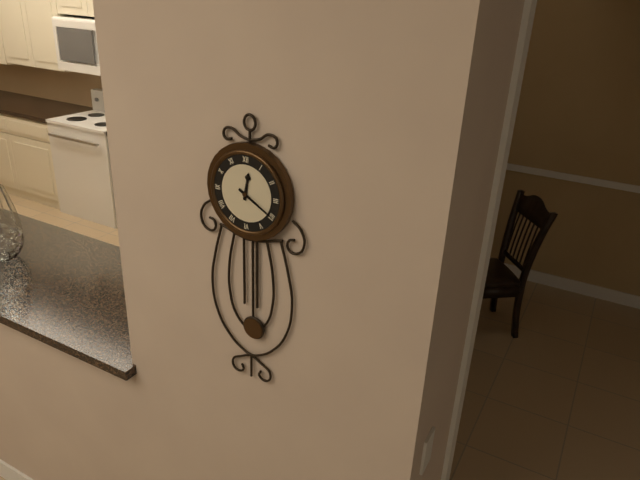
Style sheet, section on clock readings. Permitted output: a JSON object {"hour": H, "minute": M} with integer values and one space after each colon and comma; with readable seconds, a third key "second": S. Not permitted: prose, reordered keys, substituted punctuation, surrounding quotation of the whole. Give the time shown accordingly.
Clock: {"hour": 12, "minute": 20}
